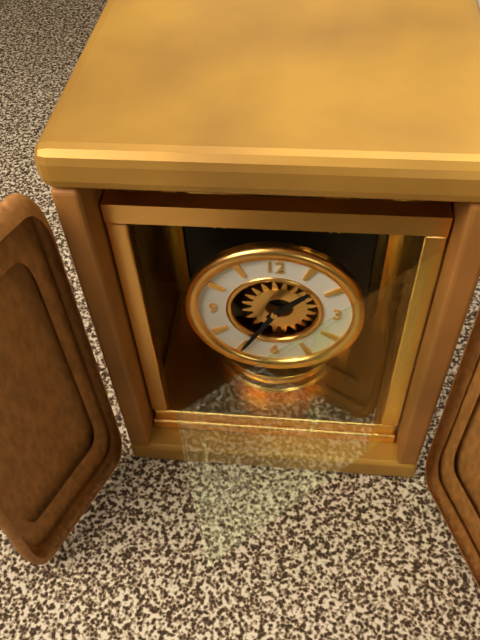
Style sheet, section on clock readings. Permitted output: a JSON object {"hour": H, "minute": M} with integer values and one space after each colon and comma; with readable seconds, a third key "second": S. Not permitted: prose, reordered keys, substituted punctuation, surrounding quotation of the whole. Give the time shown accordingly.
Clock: {"hour": 1, "minute": 35}
